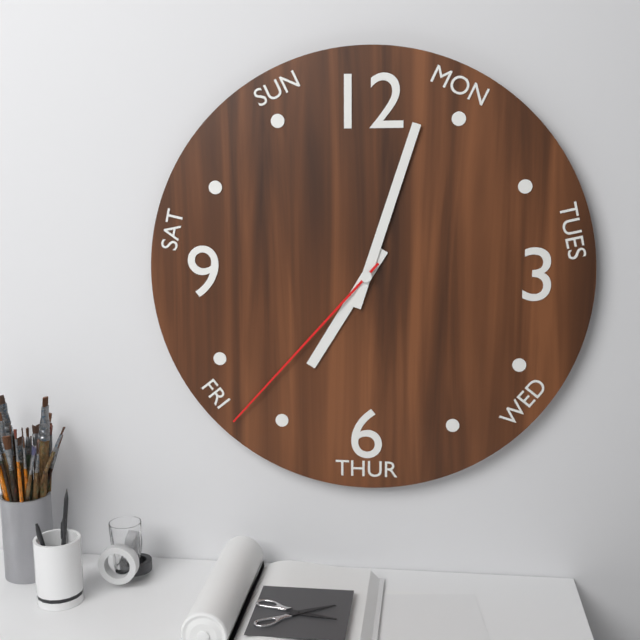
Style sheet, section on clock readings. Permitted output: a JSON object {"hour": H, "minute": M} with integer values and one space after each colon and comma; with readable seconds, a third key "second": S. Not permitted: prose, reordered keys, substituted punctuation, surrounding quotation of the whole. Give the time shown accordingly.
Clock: {"hour": 7, "minute": 3, "second": 37}
